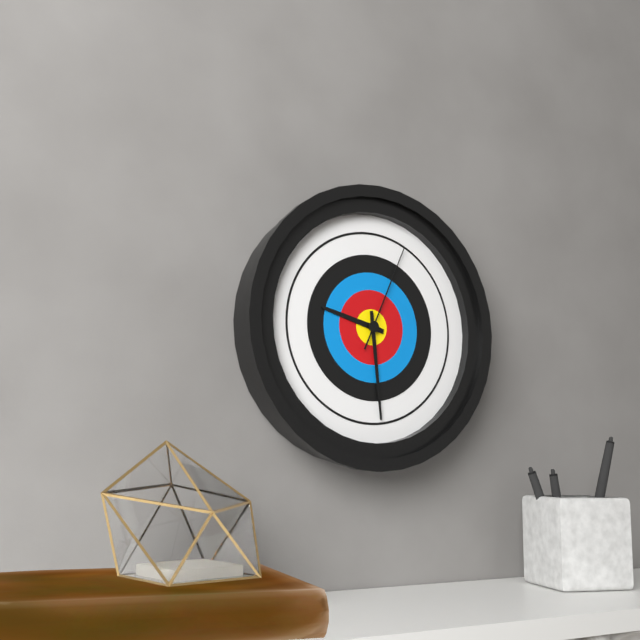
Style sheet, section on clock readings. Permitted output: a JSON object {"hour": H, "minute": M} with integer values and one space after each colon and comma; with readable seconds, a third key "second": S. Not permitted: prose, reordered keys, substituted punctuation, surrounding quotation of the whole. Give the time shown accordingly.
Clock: {"hour": 9, "minute": 29, "second": 4}
